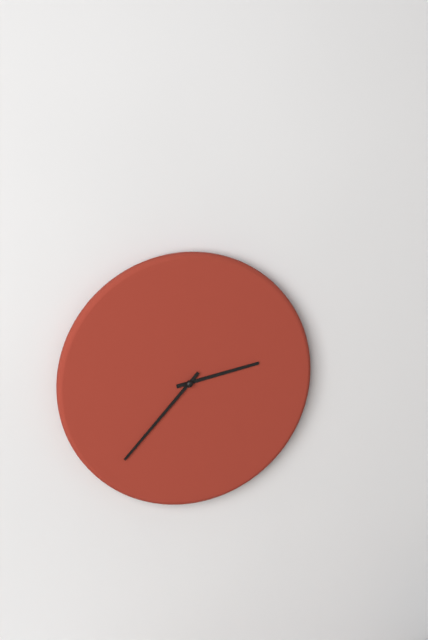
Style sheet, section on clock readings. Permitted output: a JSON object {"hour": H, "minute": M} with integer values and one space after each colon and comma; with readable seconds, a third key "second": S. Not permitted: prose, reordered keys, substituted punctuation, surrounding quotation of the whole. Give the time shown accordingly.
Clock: {"hour": 2, "minute": 37}
